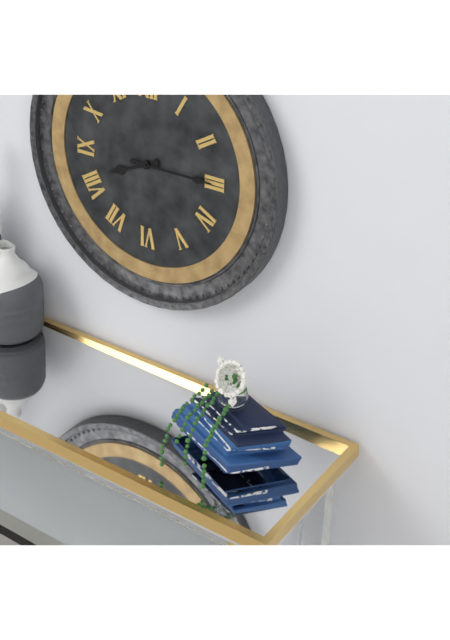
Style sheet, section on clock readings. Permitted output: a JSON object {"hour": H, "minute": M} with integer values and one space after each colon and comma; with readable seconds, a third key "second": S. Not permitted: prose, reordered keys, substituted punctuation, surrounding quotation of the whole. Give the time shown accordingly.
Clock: {"hour": 8, "minute": 15}
